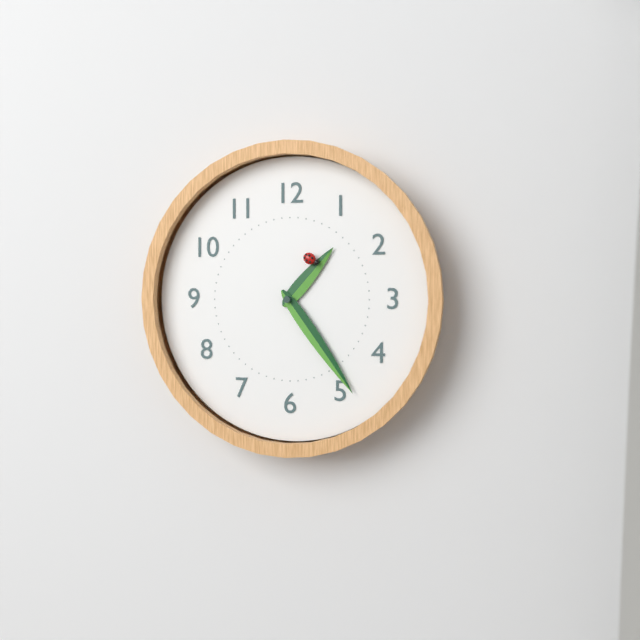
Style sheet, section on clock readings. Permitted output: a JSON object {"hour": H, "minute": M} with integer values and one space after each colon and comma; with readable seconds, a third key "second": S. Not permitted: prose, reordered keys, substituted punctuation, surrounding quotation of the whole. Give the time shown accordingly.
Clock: {"hour": 1, "minute": 24, "second": 5}
